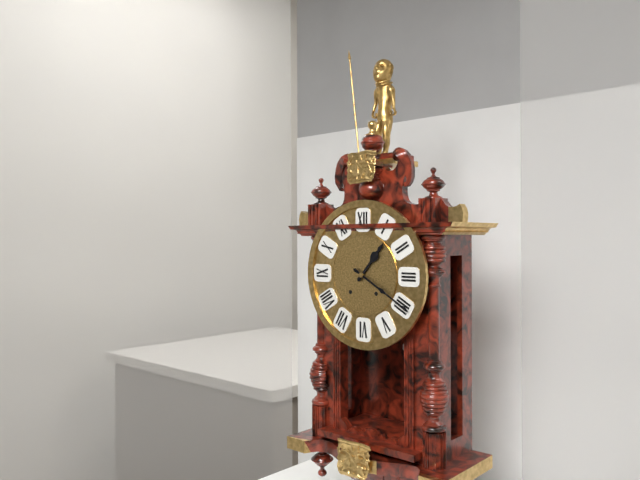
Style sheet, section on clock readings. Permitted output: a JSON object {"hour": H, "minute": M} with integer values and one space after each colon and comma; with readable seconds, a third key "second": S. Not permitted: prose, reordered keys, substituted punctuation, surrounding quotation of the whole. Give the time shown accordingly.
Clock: {"hour": 1, "minute": 20}
